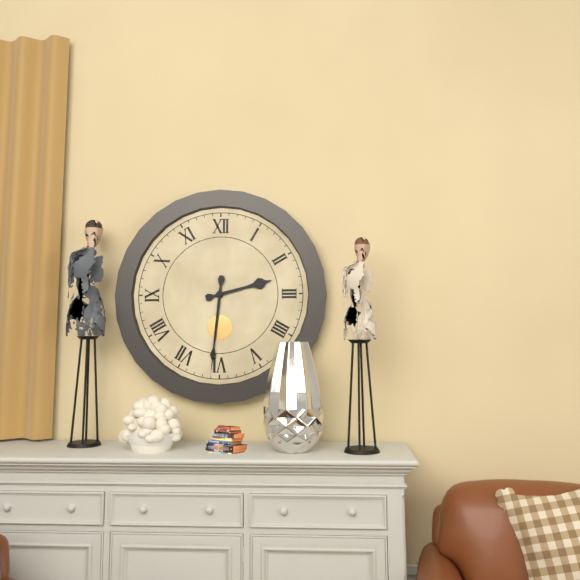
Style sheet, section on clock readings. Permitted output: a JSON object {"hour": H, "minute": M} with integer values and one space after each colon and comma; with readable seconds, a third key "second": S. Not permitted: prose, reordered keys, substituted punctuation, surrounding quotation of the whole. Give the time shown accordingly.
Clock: {"hour": 2, "minute": 31}
